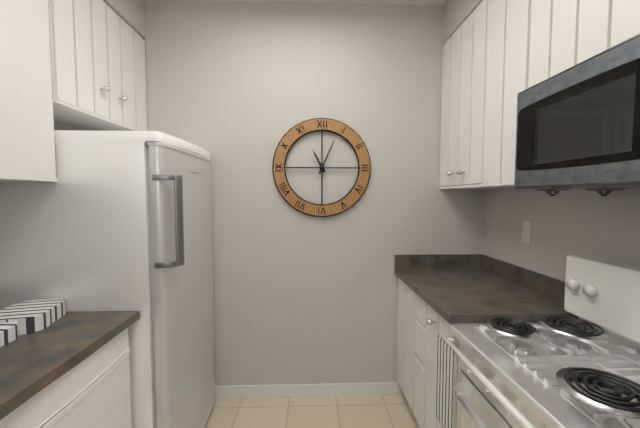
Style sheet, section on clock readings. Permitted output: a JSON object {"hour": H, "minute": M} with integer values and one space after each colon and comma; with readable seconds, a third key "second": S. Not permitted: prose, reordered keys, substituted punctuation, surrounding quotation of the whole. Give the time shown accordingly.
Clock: {"hour": 11, "minute": 4}
